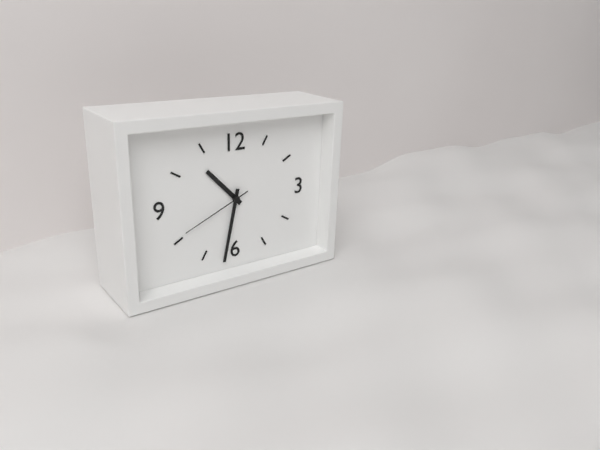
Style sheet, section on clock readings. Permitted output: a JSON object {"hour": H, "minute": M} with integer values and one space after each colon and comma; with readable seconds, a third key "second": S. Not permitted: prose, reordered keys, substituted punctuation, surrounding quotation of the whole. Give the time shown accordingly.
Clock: {"hour": 10, "minute": 32, "second": 41}
